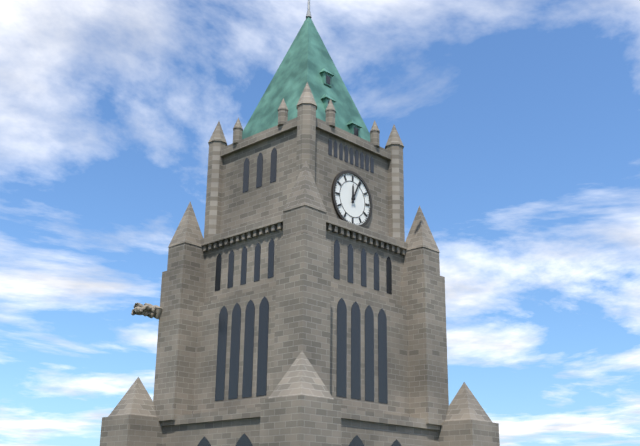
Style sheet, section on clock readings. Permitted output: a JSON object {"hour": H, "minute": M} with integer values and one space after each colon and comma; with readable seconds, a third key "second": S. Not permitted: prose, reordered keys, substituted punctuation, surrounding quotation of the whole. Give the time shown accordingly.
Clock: {"hour": 12, "minute": 4}
